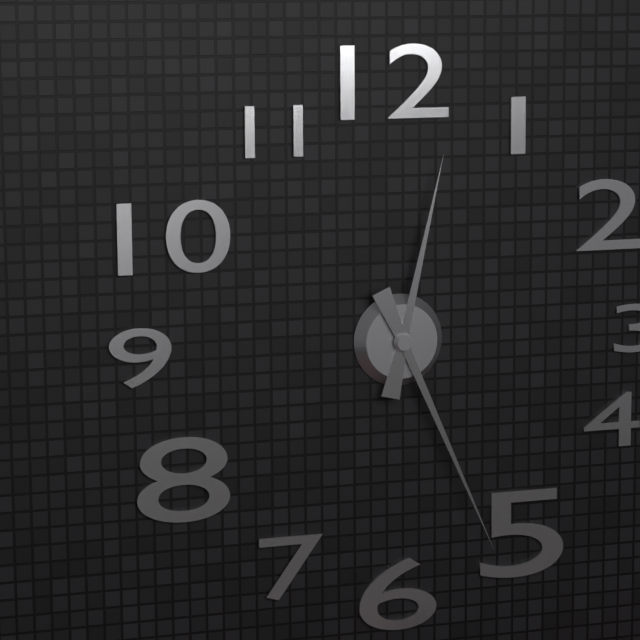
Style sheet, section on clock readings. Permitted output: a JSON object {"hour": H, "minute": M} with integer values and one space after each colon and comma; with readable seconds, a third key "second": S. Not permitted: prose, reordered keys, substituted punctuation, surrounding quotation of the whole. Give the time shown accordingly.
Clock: {"hour": 12, "minute": 26}
